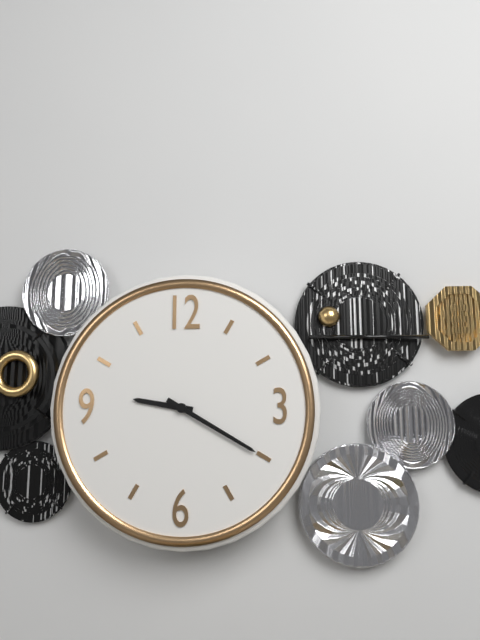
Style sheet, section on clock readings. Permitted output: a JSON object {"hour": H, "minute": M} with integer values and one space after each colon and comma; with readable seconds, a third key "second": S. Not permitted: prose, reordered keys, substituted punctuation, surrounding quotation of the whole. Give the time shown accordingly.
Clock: {"hour": 9, "minute": 20}
